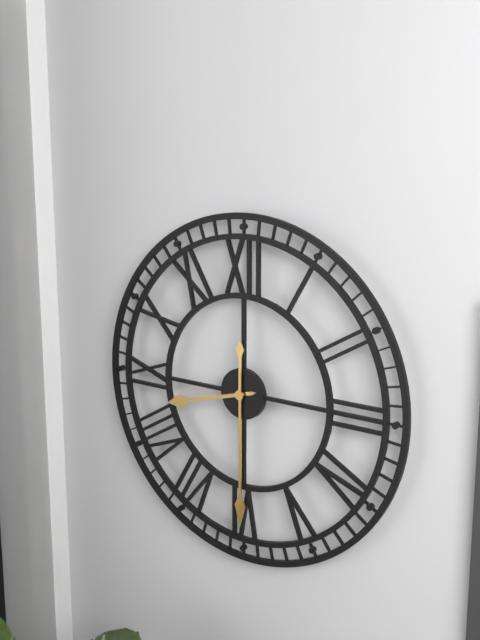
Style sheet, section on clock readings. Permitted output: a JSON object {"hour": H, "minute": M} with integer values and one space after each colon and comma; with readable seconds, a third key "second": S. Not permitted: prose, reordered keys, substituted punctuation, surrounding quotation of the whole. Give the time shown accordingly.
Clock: {"hour": 8, "minute": 30}
